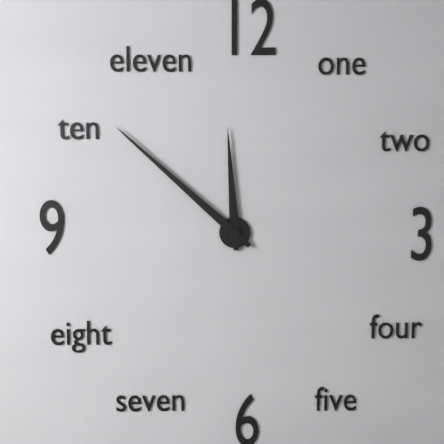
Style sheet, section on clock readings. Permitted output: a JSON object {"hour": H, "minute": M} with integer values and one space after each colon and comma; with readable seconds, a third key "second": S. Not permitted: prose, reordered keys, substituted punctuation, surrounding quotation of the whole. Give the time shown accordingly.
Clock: {"hour": 11, "minute": 52}
